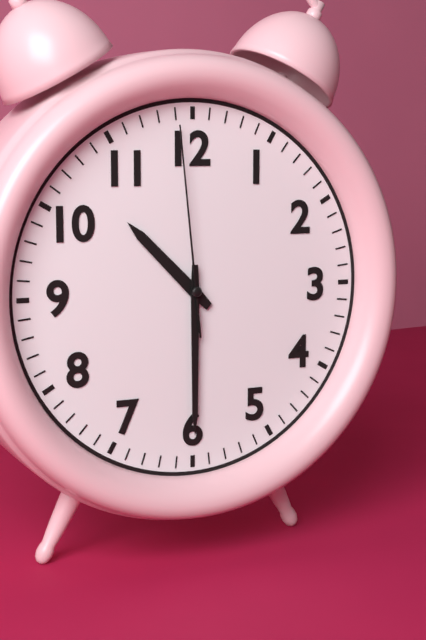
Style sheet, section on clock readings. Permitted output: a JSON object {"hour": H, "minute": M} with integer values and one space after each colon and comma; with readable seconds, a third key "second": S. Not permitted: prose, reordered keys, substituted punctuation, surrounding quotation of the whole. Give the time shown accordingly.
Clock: {"hour": 10, "minute": 30, "second": 59}
